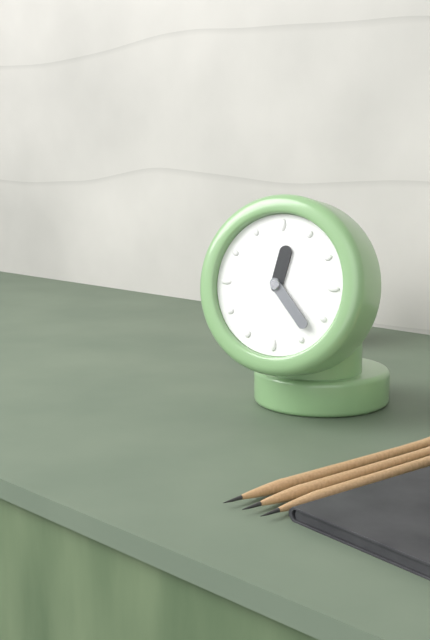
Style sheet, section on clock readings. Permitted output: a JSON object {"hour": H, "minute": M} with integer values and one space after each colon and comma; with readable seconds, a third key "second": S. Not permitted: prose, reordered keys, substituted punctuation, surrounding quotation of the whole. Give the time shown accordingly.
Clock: {"hour": 12, "minute": 23}
